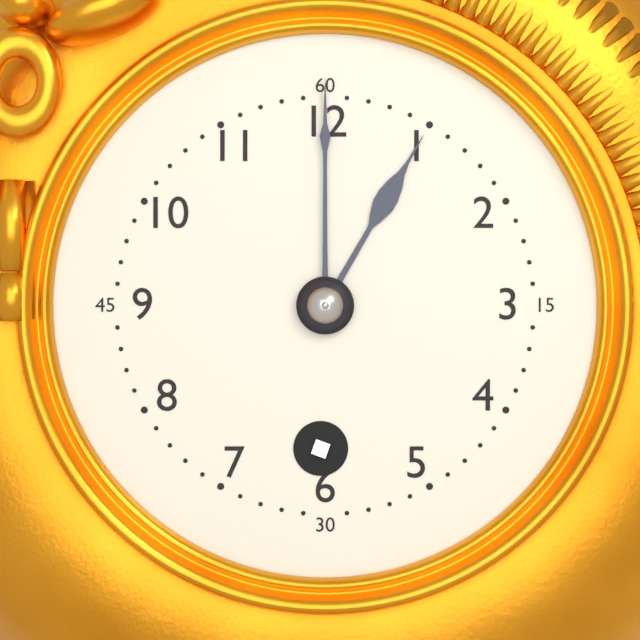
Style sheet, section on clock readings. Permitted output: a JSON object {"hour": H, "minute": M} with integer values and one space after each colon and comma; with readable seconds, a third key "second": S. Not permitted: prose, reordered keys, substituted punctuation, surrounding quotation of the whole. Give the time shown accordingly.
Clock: {"hour": 1, "minute": 0}
